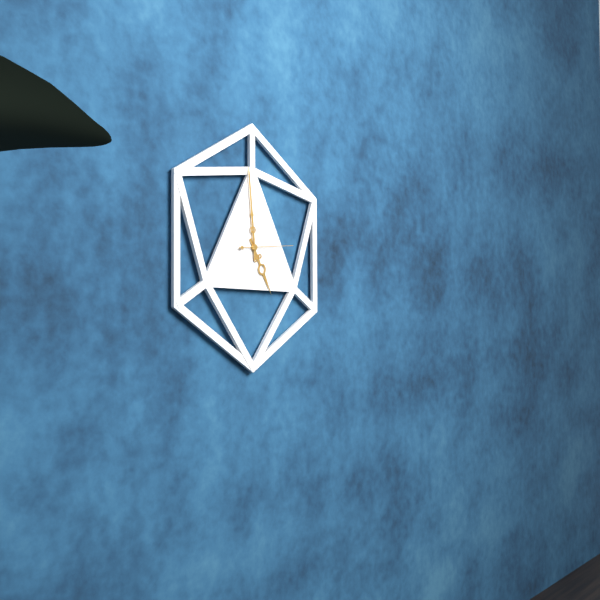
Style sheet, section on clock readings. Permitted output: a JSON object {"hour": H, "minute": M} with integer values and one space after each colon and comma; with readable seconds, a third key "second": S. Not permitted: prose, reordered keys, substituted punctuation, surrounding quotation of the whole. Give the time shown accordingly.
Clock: {"hour": 4, "minute": 59}
